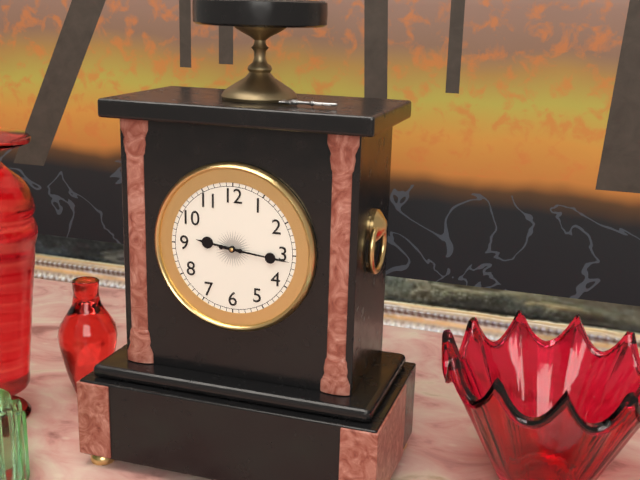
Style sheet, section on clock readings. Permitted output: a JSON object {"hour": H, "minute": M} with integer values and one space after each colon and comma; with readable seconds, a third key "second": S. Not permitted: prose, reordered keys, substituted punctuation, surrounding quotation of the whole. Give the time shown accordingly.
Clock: {"hour": 9, "minute": 16}
